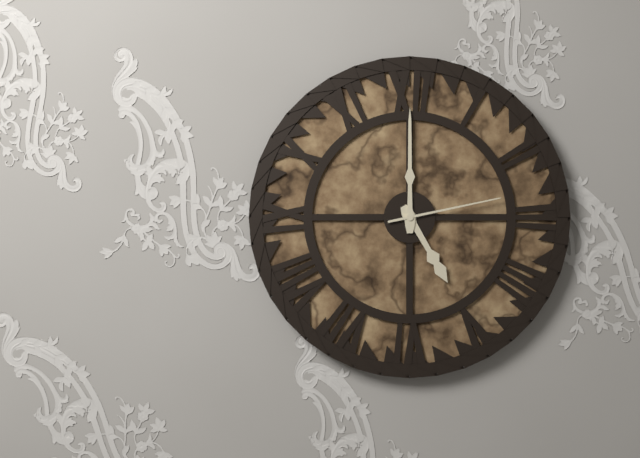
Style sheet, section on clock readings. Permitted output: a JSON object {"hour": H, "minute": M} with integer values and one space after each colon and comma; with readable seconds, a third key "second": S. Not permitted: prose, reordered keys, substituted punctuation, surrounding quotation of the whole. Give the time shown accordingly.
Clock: {"hour": 5, "minute": 0, "second": 13}
